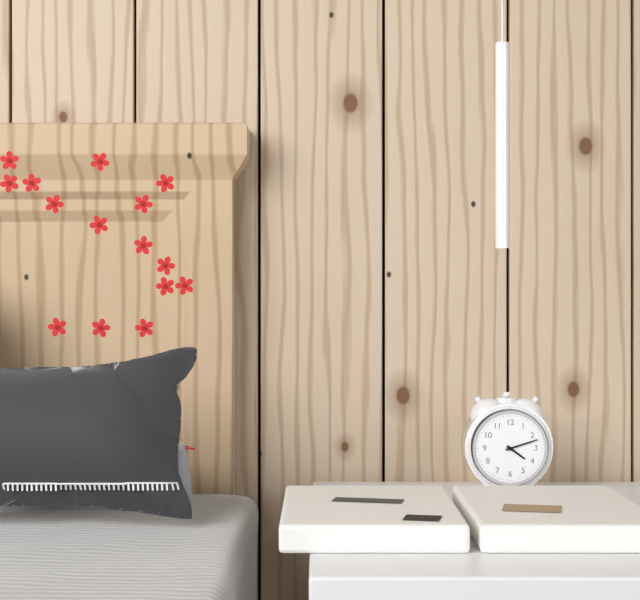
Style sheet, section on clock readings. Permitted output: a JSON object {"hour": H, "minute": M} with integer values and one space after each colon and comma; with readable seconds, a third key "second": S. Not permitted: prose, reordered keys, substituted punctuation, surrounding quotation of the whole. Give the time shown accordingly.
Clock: {"hour": 4, "minute": 12}
